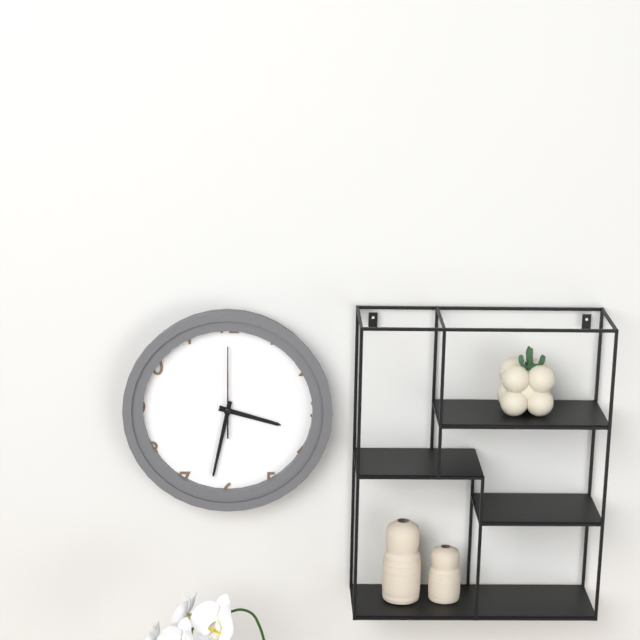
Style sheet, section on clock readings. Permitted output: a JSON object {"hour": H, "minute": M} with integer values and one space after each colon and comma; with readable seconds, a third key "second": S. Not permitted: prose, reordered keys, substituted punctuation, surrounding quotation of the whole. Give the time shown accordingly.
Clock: {"hour": 3, "minute": 32, "second": 0}
